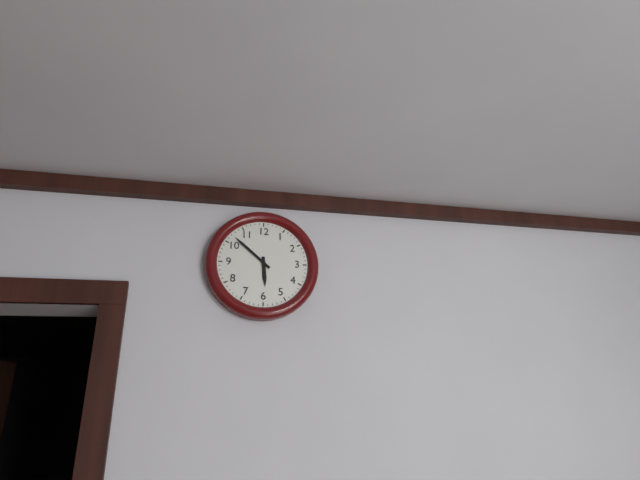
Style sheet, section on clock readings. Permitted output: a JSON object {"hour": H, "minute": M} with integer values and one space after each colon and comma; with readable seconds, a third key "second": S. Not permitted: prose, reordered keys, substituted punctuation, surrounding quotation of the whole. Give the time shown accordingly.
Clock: {"hour": 5, "minute": 52}
